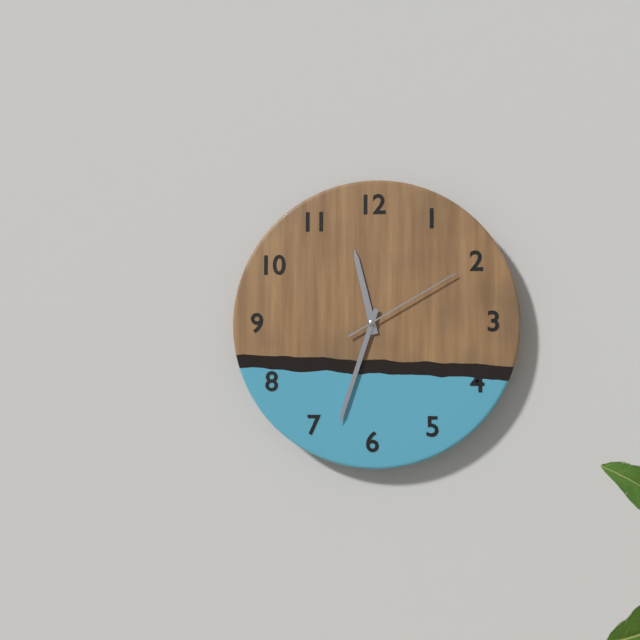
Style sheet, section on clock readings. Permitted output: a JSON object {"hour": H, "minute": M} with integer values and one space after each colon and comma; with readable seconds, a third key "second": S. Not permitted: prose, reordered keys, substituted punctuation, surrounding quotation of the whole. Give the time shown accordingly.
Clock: {"hour": 11, "minute": 33, "second": 10}
